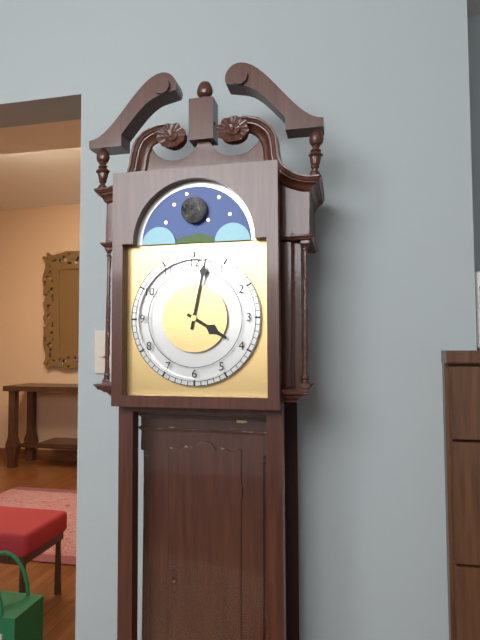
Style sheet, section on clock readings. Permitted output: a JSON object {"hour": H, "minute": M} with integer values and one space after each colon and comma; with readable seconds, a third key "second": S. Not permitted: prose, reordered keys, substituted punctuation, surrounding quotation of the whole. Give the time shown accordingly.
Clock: {"hour": 4, "minute": 2}
